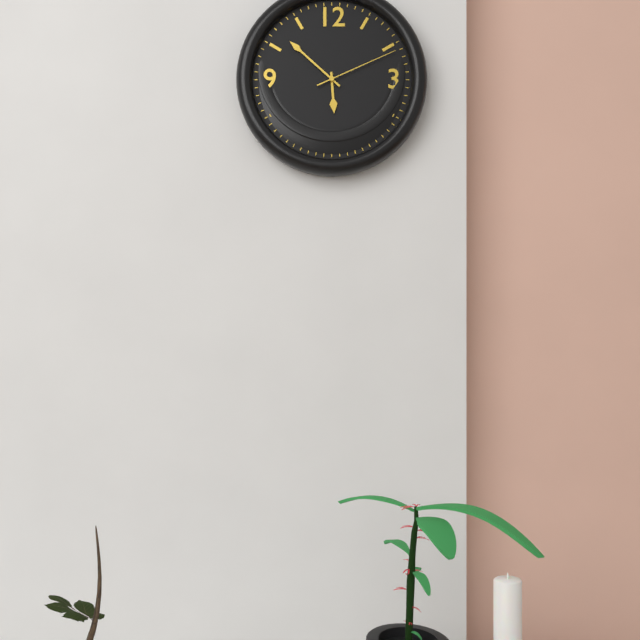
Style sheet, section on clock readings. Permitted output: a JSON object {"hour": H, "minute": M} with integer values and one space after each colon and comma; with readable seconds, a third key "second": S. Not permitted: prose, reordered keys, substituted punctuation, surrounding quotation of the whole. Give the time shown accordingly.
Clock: {"hour": 5, "minute": 52, "second": 11}
